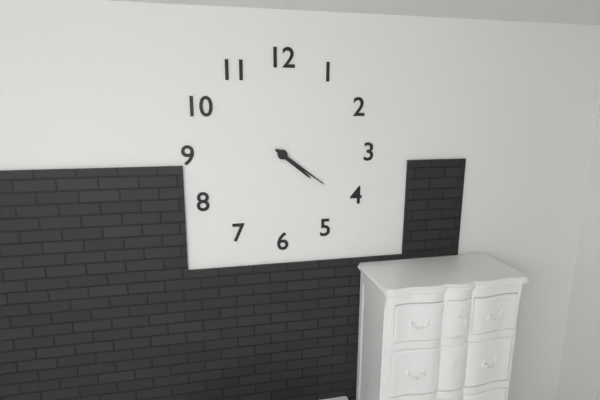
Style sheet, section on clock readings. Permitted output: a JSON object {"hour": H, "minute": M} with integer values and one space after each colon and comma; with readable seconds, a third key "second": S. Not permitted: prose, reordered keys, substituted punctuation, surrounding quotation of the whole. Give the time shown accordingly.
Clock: {"hour": 4, "minute": 21}
